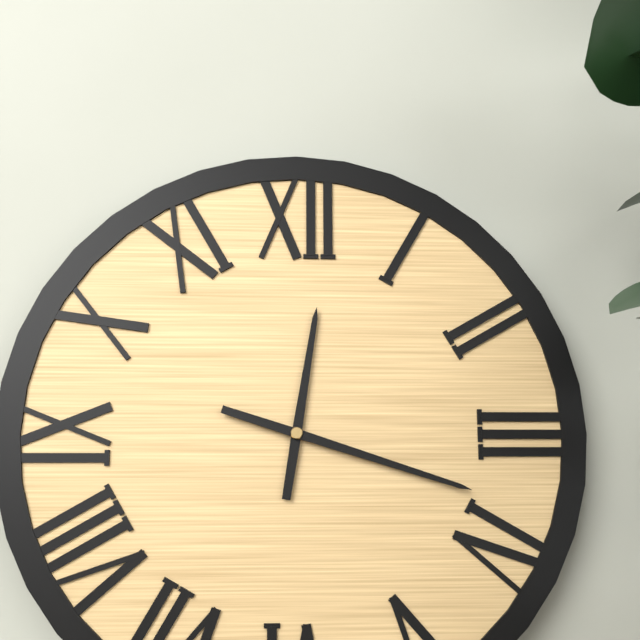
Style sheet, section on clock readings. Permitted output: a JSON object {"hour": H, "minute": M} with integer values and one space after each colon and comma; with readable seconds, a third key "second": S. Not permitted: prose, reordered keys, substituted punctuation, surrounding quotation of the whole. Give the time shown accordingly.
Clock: {"hour": 12, "minute": 18}
